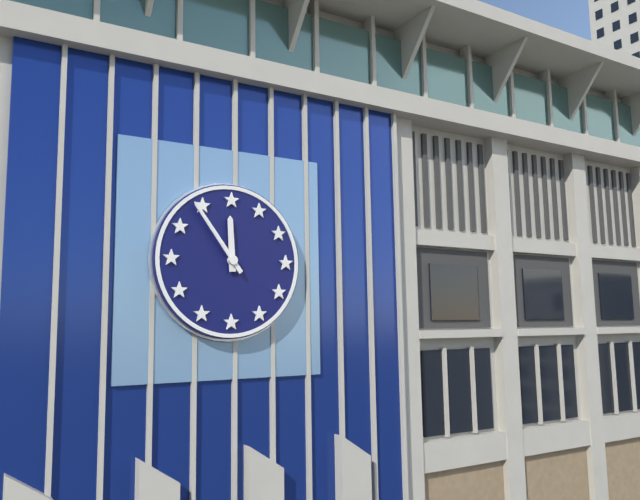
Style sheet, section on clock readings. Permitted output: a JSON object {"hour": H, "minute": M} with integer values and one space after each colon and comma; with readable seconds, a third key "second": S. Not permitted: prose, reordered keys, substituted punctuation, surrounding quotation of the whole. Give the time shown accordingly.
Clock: {"hour": 11, "minute": 54}
